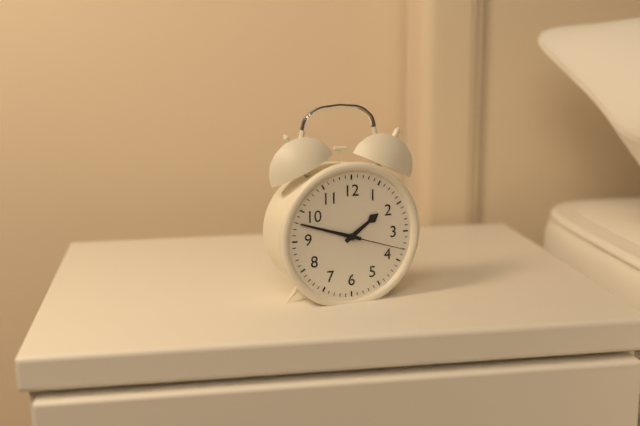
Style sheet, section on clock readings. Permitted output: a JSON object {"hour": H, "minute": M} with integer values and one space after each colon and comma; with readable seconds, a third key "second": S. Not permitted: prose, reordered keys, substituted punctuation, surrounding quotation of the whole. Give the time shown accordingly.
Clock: {"hour": 1, "minute": 48, "second": 18}
